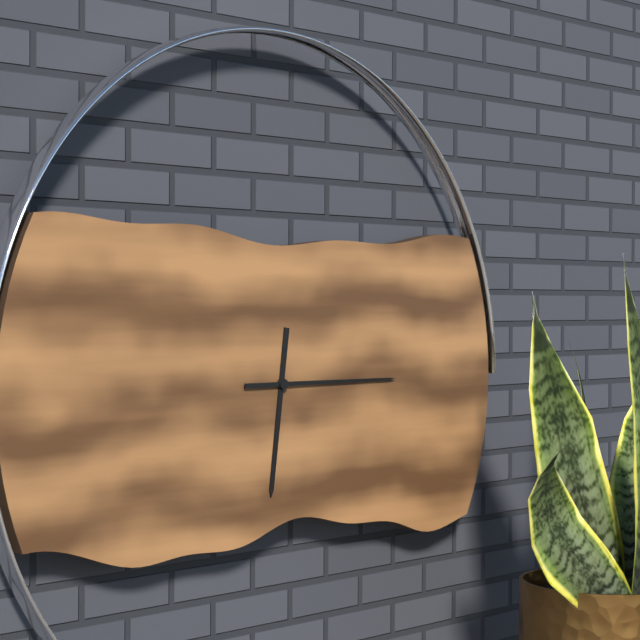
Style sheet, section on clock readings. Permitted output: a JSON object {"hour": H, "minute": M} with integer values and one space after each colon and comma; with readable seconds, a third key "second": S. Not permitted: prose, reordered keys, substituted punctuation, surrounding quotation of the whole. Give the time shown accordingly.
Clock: {"hour": 6, "minute": 15}
